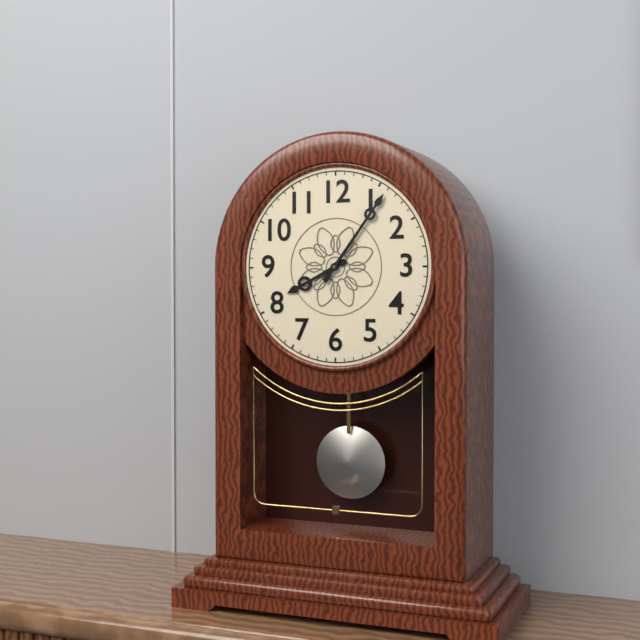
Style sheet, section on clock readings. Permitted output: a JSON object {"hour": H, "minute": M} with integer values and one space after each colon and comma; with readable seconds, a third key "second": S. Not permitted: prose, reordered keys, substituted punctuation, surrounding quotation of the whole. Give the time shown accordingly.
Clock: {"hour": 8, "minute": 6}
